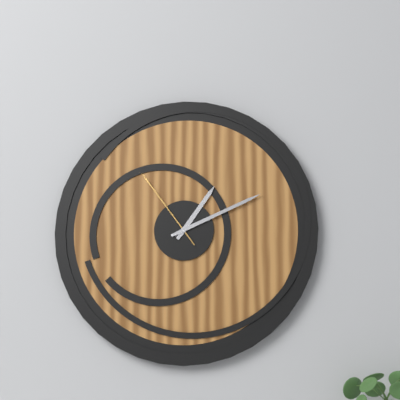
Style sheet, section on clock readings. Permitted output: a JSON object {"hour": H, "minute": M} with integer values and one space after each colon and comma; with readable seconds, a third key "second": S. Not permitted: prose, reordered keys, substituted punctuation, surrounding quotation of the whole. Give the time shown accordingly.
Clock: {"hour": 1, "minute": 11, "second": 54}
